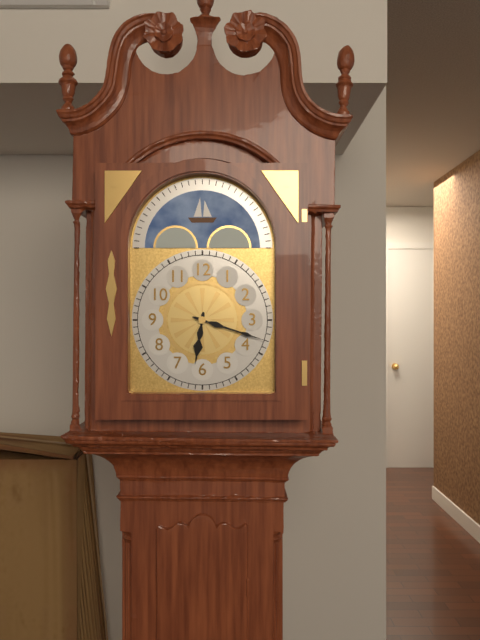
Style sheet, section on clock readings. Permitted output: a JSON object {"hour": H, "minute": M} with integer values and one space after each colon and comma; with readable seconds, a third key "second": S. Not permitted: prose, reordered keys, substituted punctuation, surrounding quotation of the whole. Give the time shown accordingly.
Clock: {"hour": 6, "minute": 18}
